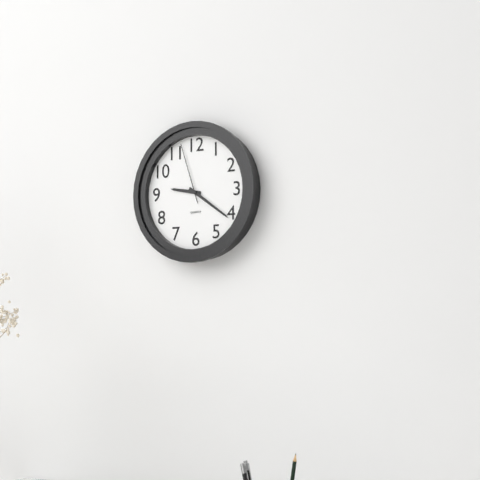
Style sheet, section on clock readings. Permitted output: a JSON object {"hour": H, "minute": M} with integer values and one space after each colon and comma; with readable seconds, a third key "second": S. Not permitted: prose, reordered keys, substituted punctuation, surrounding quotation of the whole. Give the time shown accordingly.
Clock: {"hour": 9, "minute": 21, "second": 57}
